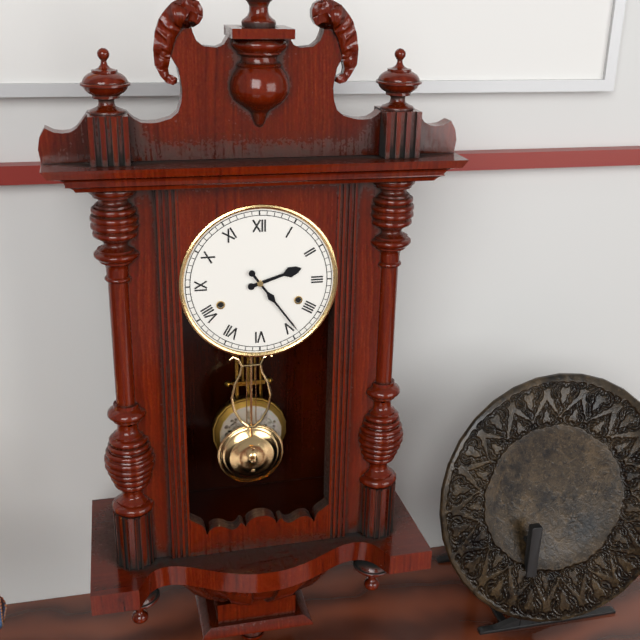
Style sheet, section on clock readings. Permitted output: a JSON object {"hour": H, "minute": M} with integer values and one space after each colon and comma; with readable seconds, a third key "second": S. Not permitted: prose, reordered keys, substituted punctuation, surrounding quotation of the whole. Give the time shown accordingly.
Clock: {"hour": 2, "minute": 24}
